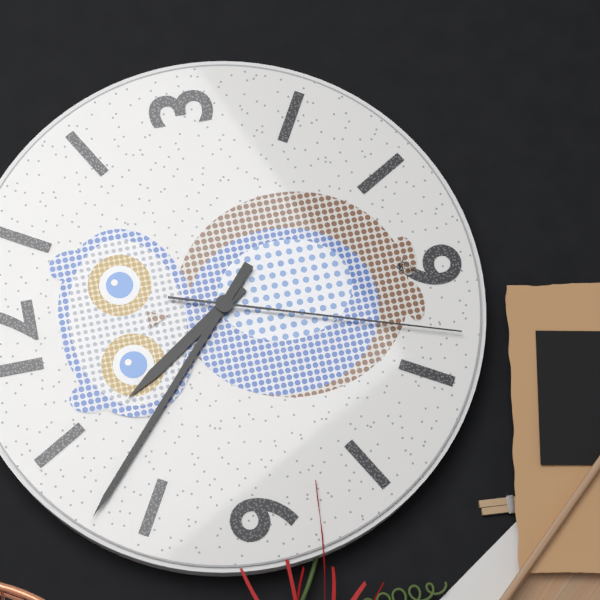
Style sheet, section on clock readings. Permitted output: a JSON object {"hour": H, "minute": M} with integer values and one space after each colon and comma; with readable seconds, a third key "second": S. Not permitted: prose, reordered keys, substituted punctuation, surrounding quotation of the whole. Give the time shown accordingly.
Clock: {"hour": 10, "minute": 52, "second": 33}
